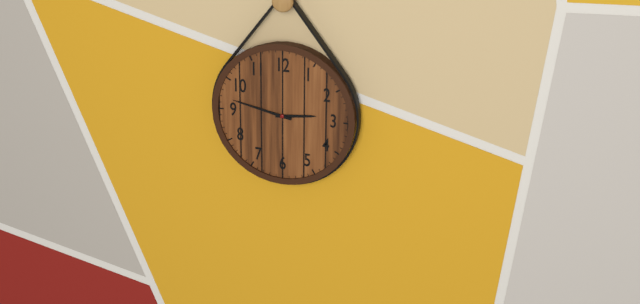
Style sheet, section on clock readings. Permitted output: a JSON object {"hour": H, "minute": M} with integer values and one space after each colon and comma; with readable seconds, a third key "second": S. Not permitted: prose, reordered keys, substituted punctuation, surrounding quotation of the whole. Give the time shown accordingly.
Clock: {"hour": 2, "minute": 47}
